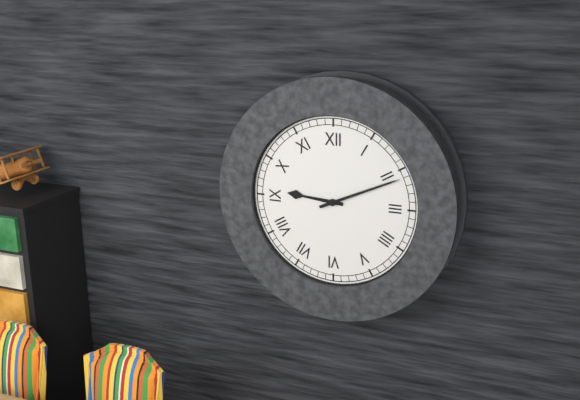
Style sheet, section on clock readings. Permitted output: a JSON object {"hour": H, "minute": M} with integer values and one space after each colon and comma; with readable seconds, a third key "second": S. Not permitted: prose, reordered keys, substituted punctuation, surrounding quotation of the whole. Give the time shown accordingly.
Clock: {"hour": 9, "minute": 11}
